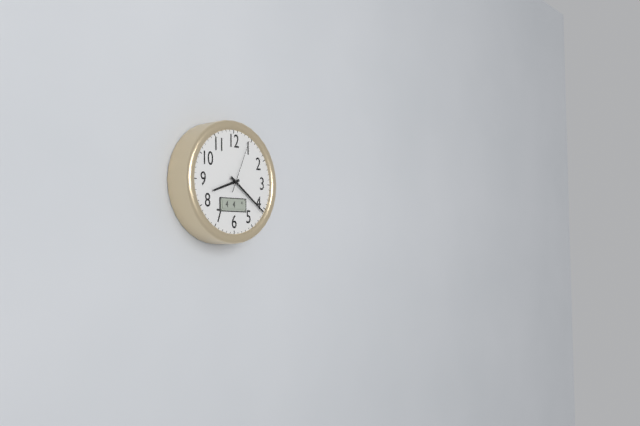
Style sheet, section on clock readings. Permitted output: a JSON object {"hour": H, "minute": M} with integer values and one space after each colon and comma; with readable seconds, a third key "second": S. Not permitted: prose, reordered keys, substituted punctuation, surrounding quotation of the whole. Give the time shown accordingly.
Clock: {"hour": 8, "minute": 21, "second": 4}
